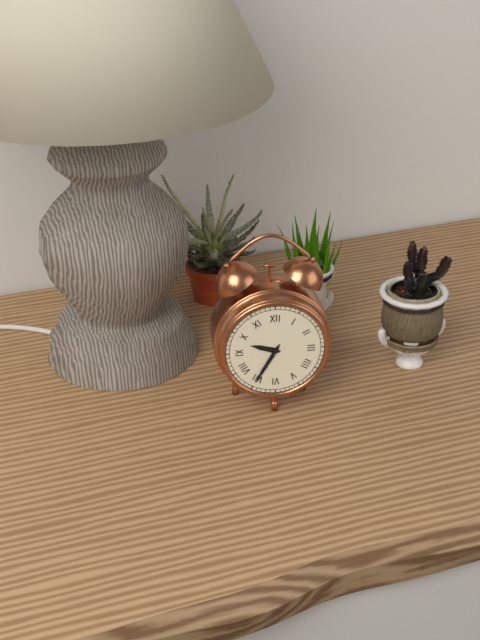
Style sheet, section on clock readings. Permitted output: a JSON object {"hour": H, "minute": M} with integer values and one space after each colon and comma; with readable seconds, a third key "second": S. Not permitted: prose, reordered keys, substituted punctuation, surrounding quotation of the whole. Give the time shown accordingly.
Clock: {"hour": 9, "minute": 35}
